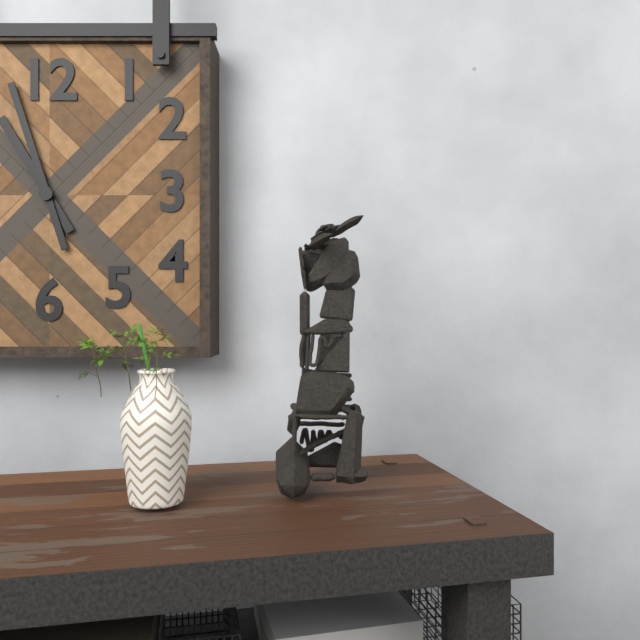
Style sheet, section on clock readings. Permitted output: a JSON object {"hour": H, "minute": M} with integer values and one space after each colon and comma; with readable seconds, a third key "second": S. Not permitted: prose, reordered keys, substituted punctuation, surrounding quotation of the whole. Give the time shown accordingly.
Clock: {"hour": 10, "minute": 57}
